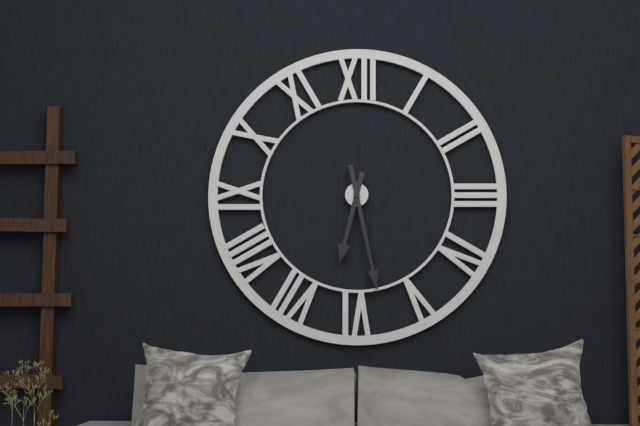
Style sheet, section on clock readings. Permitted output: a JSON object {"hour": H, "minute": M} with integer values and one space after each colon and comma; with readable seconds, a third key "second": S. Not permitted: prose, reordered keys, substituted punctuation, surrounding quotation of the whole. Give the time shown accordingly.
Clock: {"hour": 6, "minute": 28}
